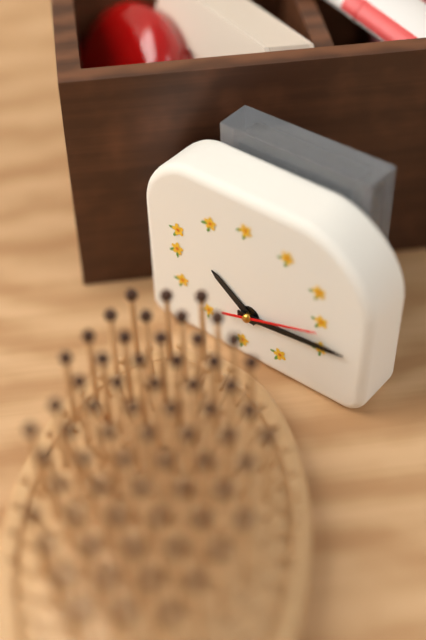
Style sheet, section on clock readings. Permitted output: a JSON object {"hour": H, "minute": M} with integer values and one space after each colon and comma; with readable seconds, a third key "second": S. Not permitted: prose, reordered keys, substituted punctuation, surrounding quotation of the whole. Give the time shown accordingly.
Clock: {"hour": 10, "minute": 14, "second": 12}
